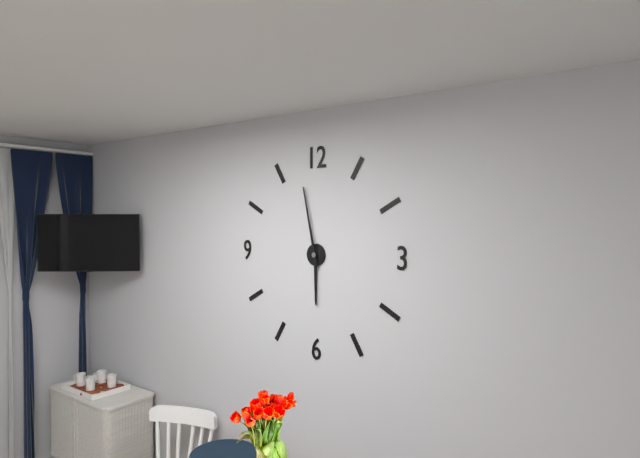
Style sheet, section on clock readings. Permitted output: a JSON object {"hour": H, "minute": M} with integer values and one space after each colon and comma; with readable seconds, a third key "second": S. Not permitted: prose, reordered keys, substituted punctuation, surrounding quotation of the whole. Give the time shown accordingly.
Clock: {"hour": 5, "minute": 58}
